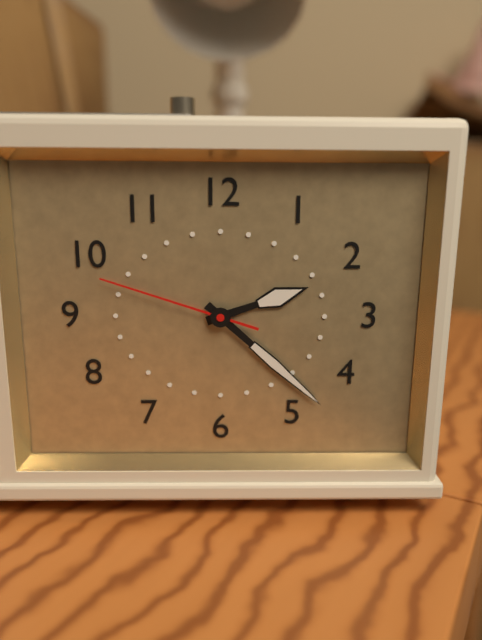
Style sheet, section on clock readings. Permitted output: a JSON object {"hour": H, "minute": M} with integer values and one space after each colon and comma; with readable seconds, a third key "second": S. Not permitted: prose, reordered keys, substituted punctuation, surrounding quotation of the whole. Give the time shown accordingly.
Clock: {"hour": 2, "minute": 22, "second": 48}
